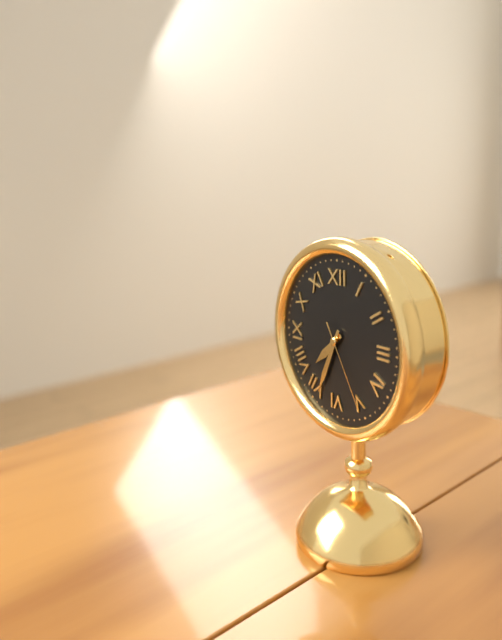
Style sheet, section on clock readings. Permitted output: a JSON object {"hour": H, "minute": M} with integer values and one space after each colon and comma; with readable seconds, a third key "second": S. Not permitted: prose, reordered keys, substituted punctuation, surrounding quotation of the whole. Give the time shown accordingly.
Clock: {"hour": 7, "minute": 34, "second": 25}
